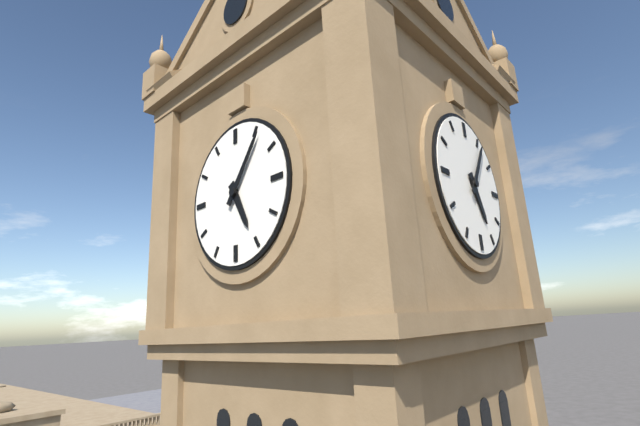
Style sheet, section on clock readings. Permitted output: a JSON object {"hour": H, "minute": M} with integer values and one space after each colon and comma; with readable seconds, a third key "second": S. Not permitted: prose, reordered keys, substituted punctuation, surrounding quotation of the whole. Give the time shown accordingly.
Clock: {"hour": 5, "minute": 6}
